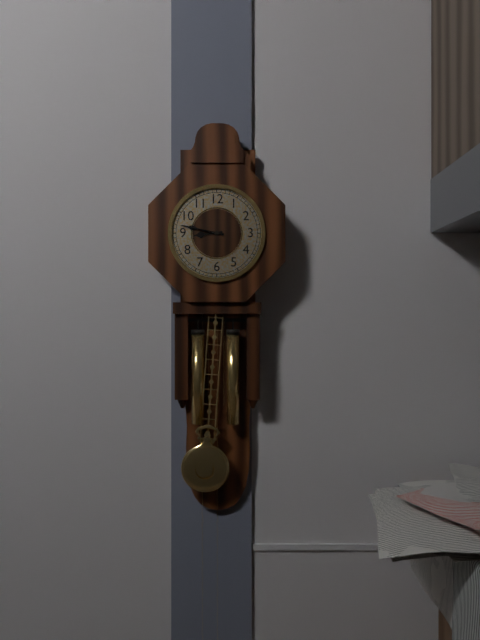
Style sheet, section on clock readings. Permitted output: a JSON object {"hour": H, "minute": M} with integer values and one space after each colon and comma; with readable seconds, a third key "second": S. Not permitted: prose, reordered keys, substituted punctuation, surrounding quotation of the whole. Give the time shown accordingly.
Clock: {"hour": 8, "minute": 47}
